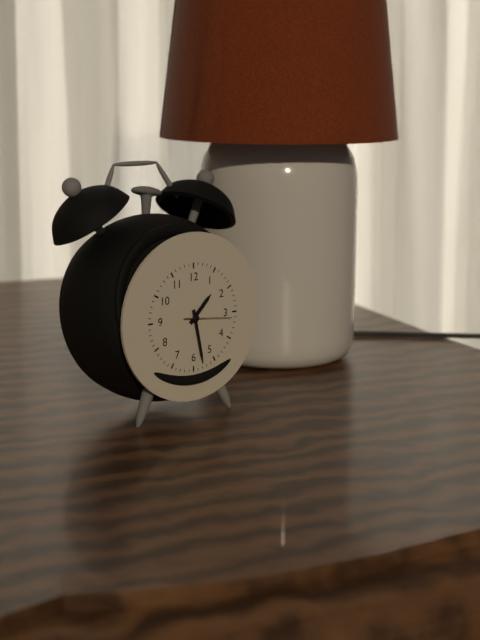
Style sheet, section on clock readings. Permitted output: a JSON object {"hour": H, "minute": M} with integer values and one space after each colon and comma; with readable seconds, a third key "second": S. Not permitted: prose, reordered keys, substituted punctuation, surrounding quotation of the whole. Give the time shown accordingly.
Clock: {"hour": 1, "minute": 28}
